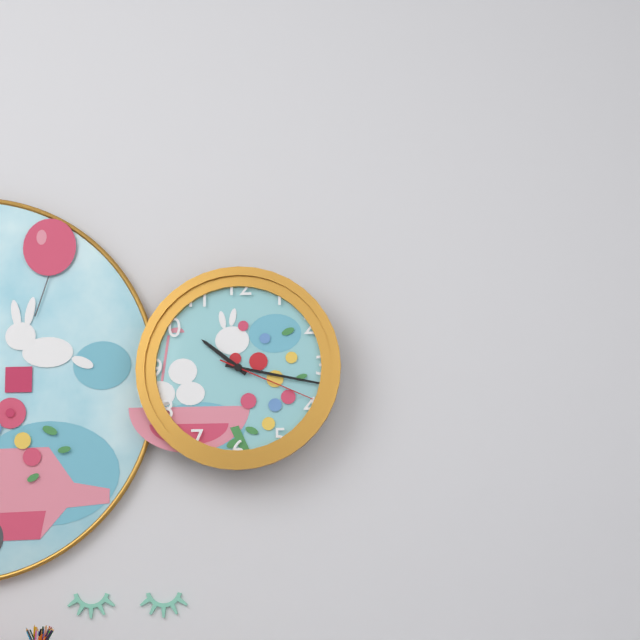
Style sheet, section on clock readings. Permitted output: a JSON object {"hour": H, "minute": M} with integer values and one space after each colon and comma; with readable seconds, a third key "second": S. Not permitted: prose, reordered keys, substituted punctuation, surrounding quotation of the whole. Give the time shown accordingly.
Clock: {"hour": 10, "minute": 17, "second": 19}
